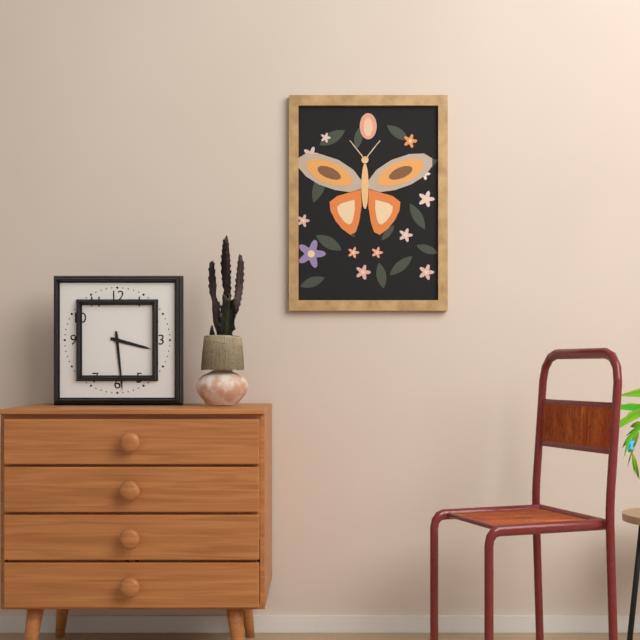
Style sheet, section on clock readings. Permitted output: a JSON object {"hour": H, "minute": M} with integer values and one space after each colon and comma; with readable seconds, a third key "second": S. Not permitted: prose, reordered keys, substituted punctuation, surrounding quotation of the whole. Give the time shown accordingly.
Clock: {"hour": 3, "minute": 29}
